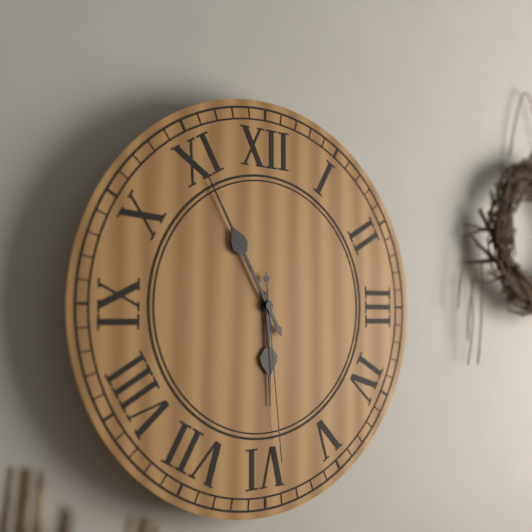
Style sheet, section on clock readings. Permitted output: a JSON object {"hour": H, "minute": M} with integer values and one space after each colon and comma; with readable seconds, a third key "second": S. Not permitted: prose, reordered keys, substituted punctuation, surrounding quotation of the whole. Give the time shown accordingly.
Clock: {"hour": 5, "minute": 55, "second": 29}
